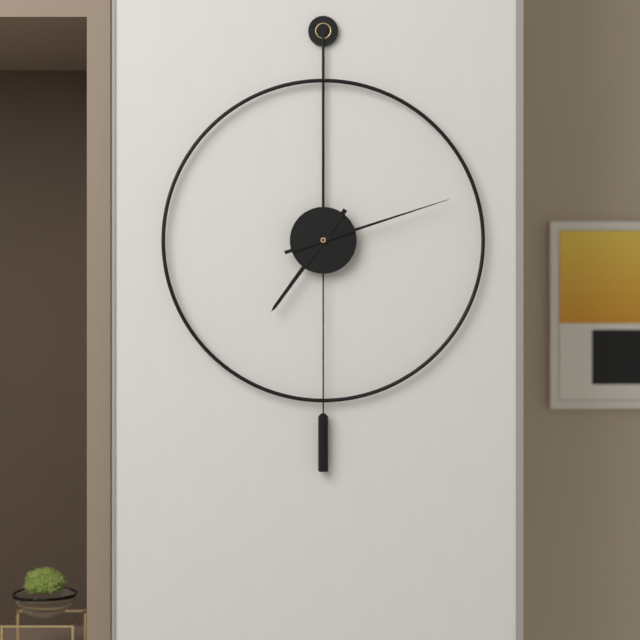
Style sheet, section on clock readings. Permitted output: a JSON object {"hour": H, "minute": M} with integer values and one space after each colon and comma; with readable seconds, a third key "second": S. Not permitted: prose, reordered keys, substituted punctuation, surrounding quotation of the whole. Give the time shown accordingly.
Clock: {"hour": 7, "minute": 12}
